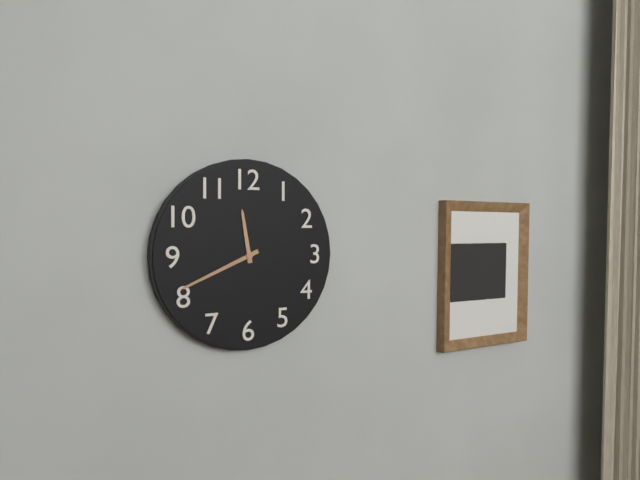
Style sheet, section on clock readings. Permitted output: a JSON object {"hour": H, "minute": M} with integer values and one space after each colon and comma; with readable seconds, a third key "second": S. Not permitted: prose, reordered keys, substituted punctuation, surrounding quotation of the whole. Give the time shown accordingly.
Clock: {"hour": 11, "minute": 41}
